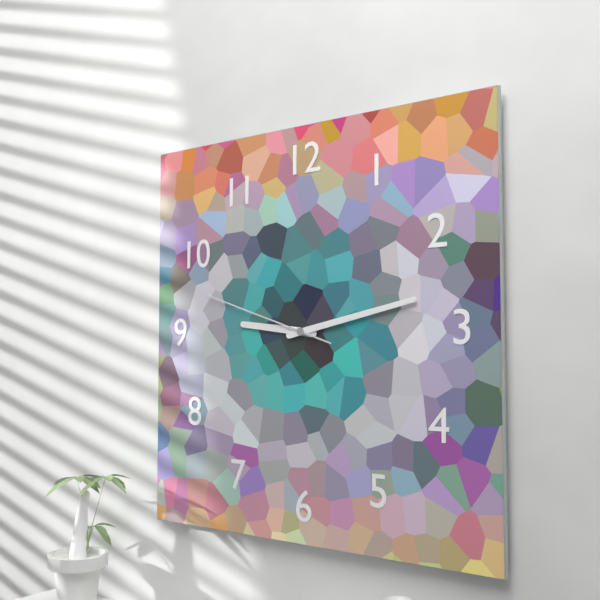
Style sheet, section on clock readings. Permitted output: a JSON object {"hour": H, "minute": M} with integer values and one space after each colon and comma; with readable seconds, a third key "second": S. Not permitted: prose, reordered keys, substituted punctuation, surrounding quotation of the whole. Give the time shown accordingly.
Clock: {"hour": 9, "minute": 13, "second": 48}
